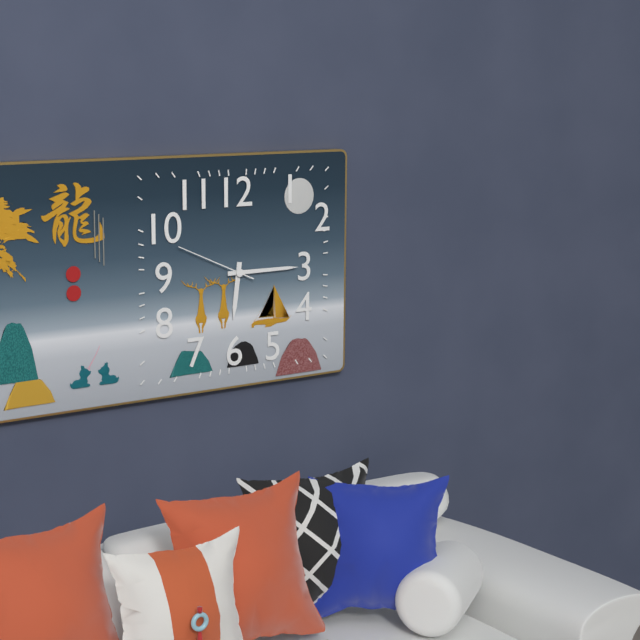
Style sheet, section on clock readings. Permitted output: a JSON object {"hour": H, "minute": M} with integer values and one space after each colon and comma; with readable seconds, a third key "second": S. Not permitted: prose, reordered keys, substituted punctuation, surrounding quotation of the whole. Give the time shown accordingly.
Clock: {"hour": 6, "minute": 15, "second": 49}
